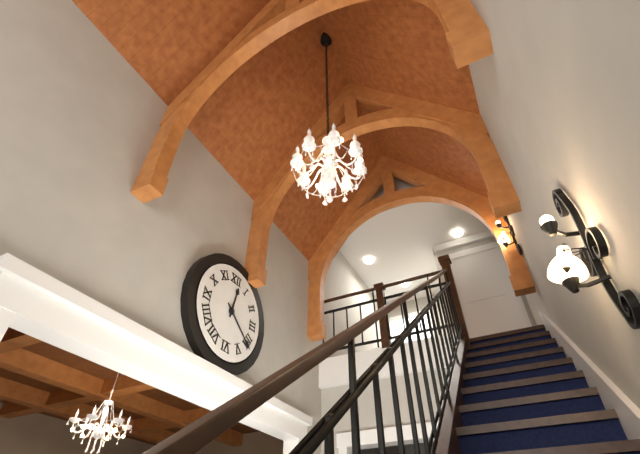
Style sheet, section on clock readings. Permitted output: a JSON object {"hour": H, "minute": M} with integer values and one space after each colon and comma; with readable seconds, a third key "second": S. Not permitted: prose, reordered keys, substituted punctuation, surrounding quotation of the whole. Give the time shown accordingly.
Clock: {"hour": 12, "minute": 21}
